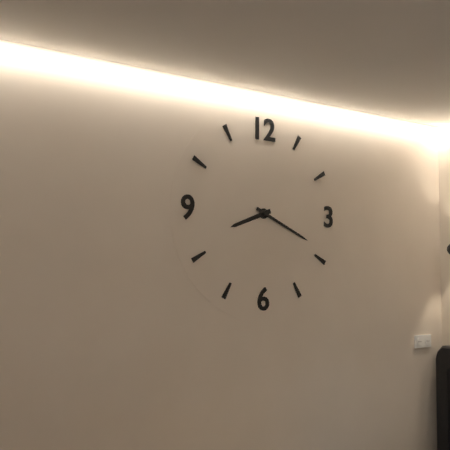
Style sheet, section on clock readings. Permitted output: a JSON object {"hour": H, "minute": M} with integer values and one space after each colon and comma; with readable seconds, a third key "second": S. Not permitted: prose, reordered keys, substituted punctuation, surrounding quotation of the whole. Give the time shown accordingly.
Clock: {"hour": 8, "minute": 19}
